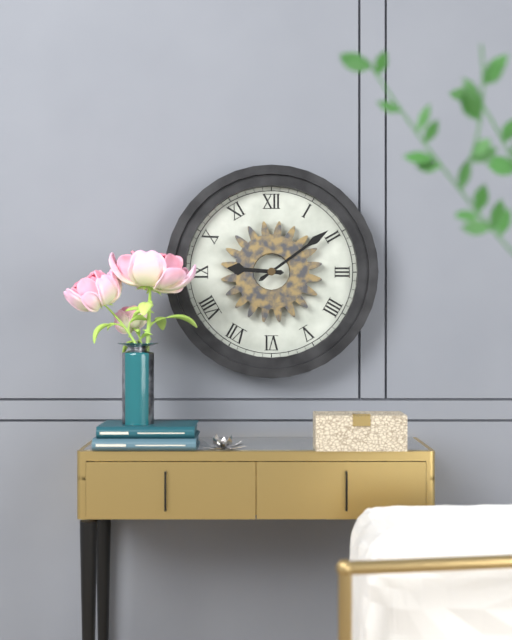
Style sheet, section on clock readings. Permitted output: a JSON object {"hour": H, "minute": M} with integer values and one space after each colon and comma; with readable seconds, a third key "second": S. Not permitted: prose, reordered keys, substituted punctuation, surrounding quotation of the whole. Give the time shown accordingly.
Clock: {"hour": 9, "minute": 9}
